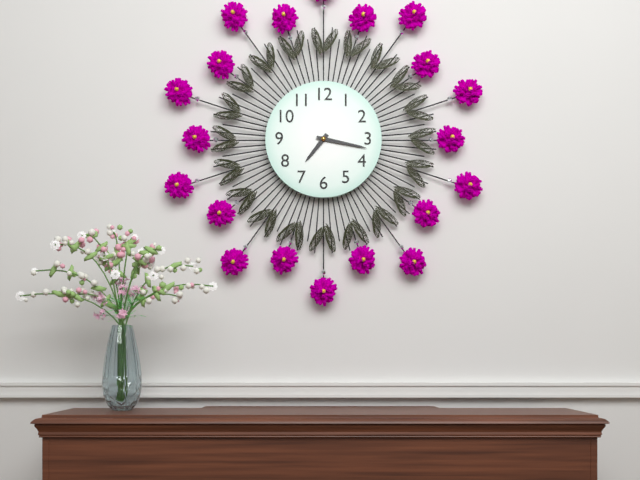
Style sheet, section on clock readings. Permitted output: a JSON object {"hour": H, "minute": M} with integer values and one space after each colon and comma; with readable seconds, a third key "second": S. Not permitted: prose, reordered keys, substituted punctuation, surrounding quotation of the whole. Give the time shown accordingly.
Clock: {"hour": 7, "minute": 17}
